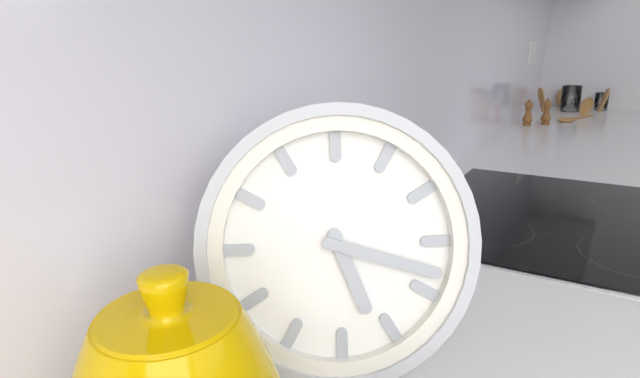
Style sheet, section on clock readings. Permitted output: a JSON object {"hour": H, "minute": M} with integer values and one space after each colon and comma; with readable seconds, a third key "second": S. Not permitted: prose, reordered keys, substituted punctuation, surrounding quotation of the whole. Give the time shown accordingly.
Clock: {"hour": 5, "minute": 18}
